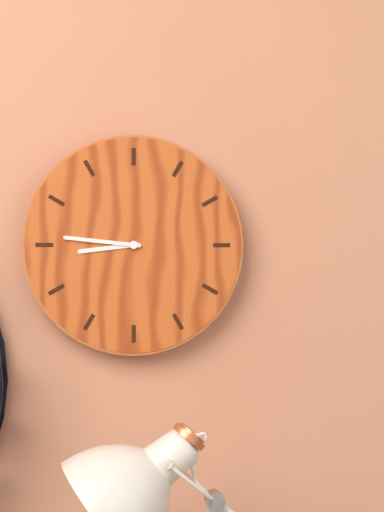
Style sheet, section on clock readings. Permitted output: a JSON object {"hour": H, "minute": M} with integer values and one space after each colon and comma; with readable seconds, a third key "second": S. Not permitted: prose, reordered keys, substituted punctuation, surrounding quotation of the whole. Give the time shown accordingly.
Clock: {"hour": 8, "minute": 46}
